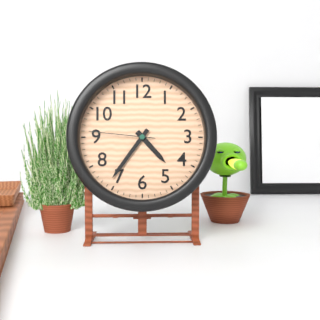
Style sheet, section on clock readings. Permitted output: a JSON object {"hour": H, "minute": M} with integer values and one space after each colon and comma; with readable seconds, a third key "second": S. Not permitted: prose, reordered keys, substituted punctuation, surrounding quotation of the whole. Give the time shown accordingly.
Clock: {"hour": 4, "minute": 36, "second": 46}
